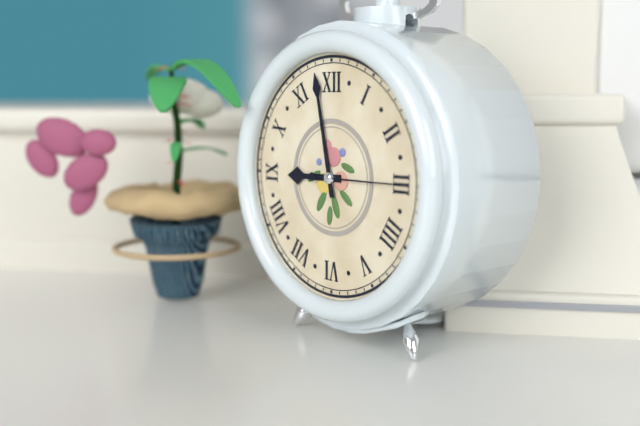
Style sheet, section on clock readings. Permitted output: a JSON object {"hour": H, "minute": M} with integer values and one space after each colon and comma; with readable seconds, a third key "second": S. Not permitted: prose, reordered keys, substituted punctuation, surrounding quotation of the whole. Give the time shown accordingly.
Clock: {"hour": 8, "minute": 58, "second": 15}
